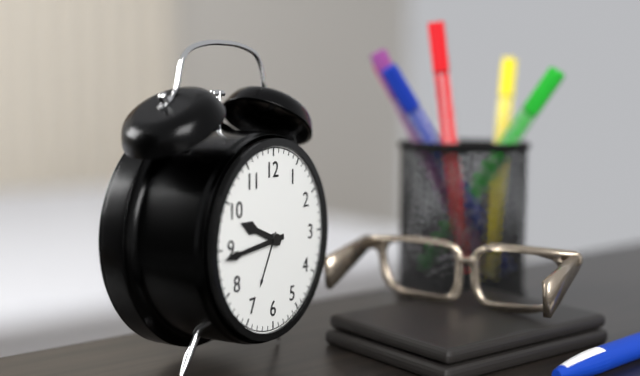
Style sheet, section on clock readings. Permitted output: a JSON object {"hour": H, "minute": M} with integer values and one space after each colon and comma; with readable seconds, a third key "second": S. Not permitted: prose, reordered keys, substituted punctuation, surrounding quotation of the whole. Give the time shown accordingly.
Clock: {"hour": 9, "minute": 44}
